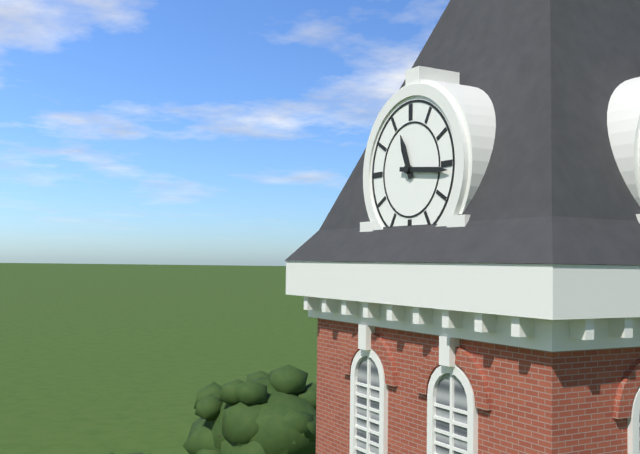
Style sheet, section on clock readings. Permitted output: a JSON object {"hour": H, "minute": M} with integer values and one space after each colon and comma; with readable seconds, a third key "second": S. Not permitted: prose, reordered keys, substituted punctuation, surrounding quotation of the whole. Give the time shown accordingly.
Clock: {"hour": 11, "minute": 16}
